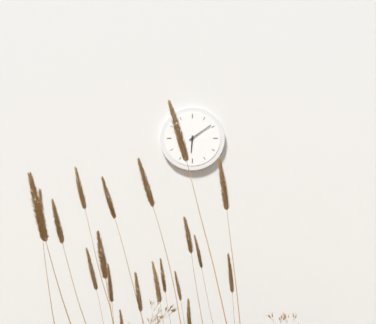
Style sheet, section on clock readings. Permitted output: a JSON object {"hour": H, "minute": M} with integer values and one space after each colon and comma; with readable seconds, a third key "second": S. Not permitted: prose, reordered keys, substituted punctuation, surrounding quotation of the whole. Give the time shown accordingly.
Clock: {"hour": 6, "minute": 9}
